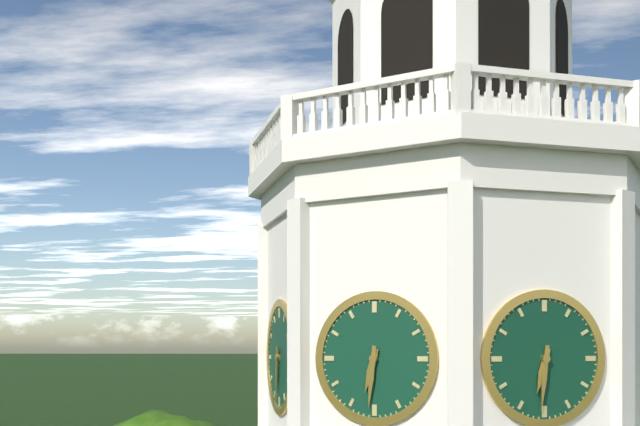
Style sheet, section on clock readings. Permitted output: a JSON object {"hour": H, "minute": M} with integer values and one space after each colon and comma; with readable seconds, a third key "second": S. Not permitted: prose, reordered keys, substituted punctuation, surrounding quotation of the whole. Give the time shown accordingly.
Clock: {"hour": 6, "minute": 31}
